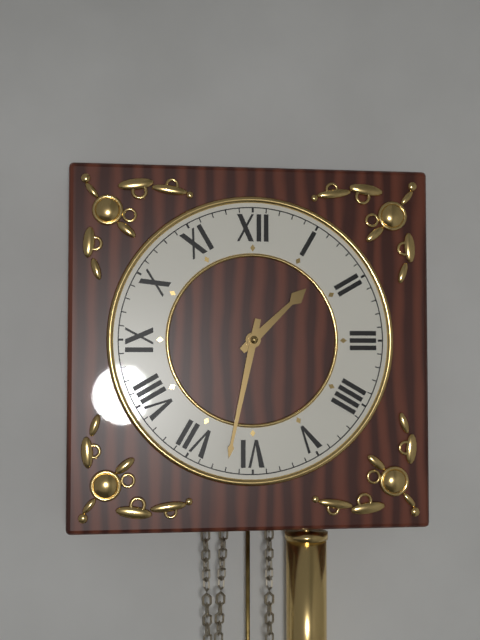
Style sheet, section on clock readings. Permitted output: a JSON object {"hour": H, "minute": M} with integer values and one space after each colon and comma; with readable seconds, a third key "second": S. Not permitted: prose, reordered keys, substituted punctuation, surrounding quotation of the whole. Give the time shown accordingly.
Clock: {"hour": 1, "minute": 32}
